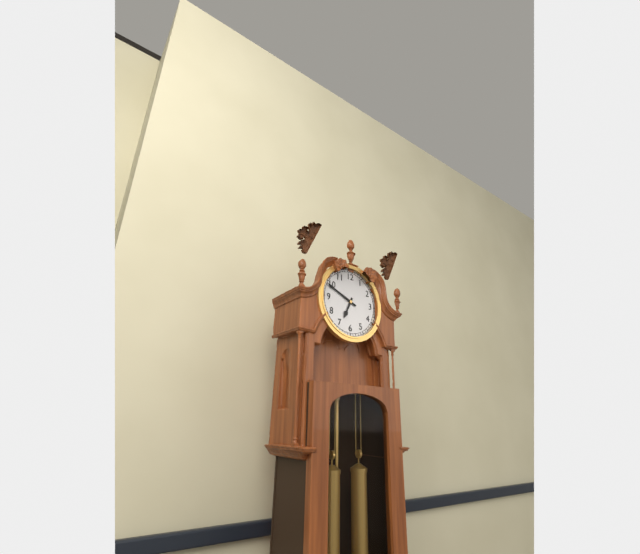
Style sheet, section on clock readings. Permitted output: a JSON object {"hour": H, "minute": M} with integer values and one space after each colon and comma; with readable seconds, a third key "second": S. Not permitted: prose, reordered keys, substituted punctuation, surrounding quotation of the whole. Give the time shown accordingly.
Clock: {"hour": 6, "minute": 49}
